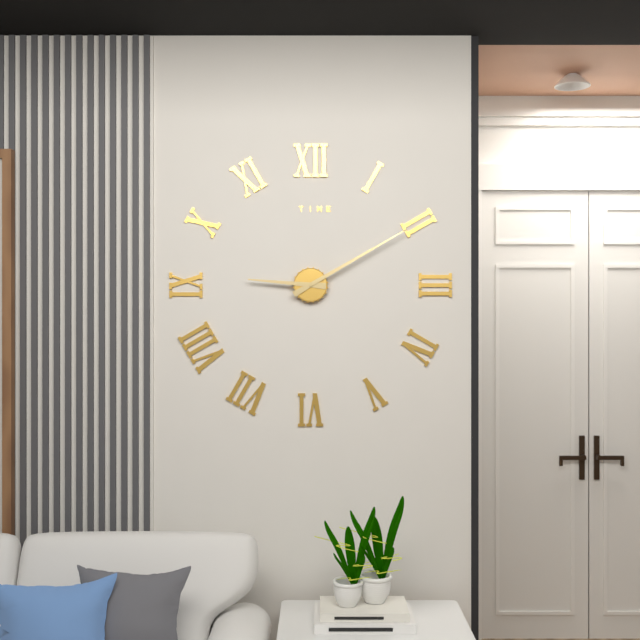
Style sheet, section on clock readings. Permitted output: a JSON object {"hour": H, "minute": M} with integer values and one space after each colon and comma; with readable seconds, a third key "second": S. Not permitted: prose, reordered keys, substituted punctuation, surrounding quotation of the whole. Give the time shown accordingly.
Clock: {"hour": 9, "minute": 10}
